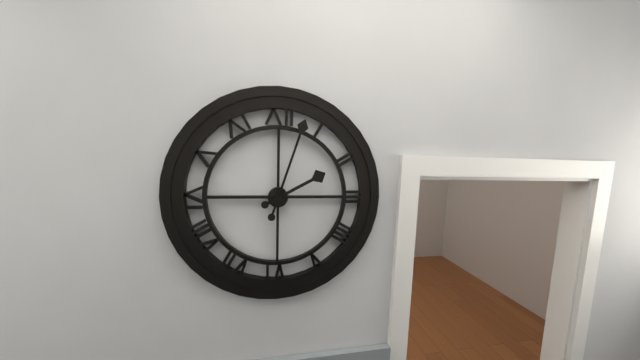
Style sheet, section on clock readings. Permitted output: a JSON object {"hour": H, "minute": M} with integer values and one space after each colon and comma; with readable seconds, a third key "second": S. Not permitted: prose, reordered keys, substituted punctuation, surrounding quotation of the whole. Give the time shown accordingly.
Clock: {"hour": 2, "minute": 3}
